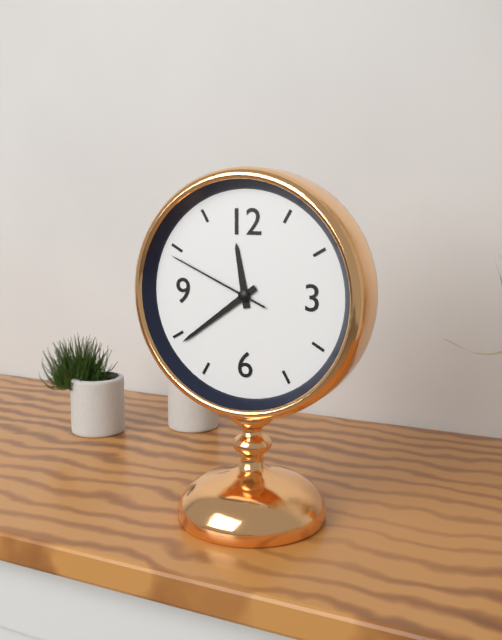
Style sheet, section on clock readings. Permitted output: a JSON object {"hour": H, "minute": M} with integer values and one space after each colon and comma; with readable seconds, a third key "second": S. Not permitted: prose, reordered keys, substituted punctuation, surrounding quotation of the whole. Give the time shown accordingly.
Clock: {"hour": 11, "minute": 39, "second": 49}
